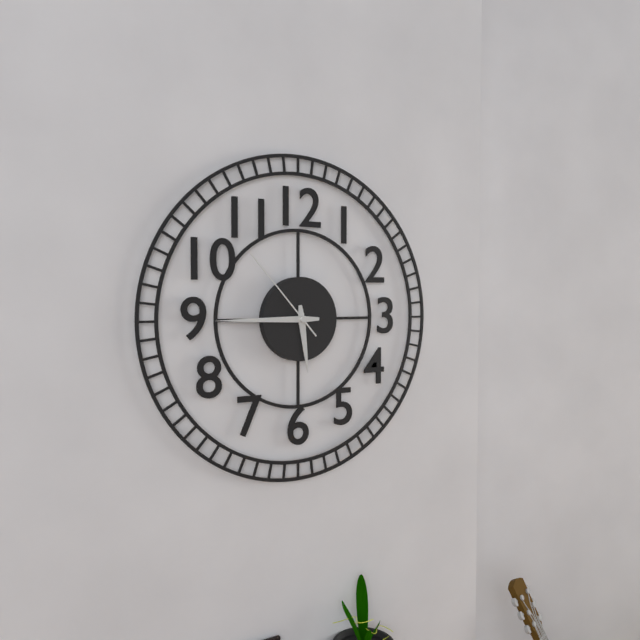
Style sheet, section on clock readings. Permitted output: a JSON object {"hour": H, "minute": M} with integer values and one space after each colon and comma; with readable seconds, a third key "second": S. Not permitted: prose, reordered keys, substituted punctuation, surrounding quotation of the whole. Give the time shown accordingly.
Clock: {"hour": 5, "minute": 45, "second": 53}
